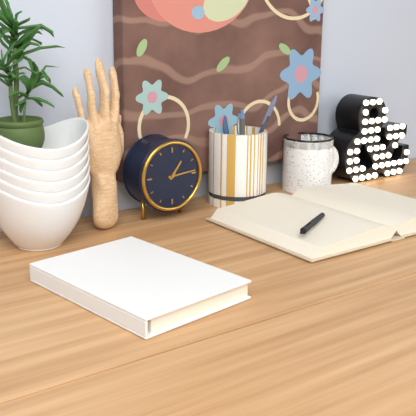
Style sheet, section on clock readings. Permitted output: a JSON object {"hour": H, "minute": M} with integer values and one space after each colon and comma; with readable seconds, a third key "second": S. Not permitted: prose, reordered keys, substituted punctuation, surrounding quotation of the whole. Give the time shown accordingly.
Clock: {"hour": 1, "minute": 14}
